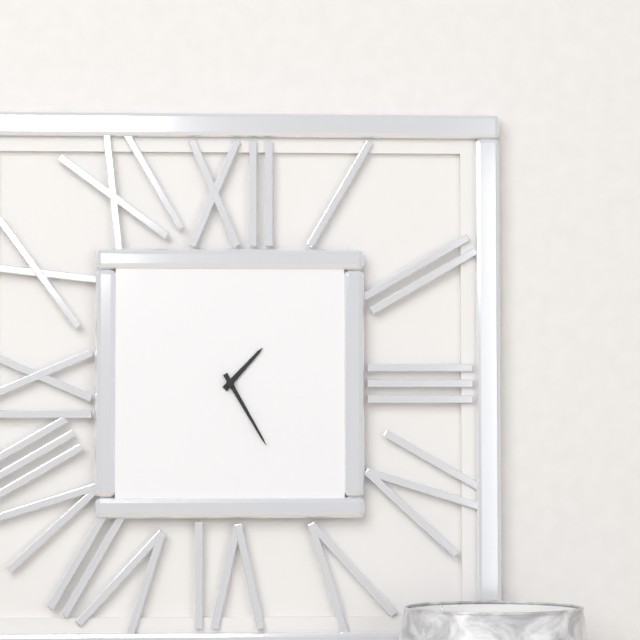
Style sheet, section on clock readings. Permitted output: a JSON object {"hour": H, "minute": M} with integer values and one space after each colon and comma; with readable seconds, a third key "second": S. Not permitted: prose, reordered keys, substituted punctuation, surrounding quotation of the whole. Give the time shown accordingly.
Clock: {"hour": 1, "minute": 25}
